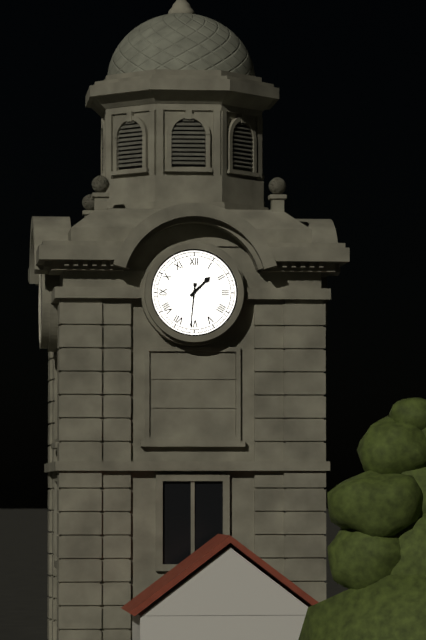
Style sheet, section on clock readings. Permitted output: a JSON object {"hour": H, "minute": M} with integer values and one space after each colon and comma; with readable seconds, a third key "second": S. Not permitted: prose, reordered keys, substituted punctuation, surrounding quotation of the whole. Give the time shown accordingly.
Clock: {"hour": 1, "minute": 31}
